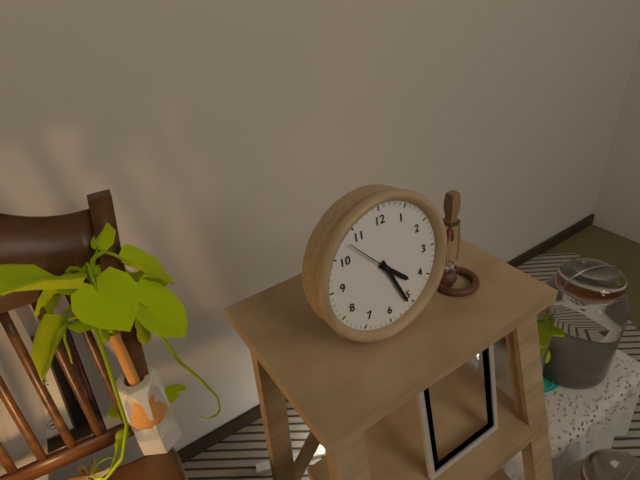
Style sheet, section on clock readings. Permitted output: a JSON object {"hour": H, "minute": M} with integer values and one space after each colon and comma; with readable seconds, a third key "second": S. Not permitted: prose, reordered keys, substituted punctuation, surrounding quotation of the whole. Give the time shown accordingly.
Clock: {"hour": 4, "minute": 26, "second": 53}
